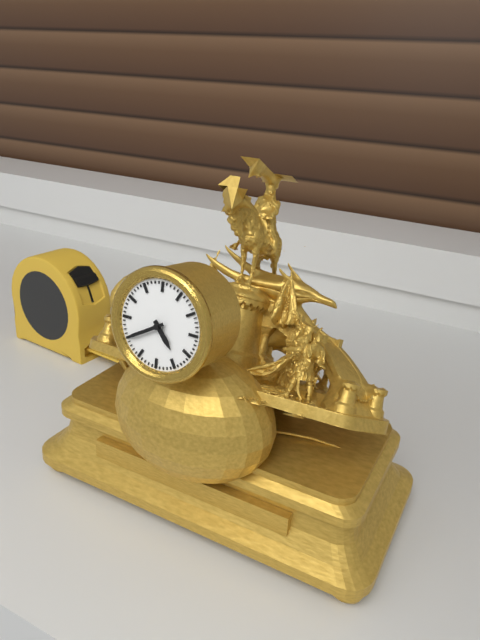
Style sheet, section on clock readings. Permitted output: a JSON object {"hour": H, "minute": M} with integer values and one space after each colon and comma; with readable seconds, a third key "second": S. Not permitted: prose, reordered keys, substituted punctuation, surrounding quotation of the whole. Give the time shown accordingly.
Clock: {"hour": 4, "minute": 40}
